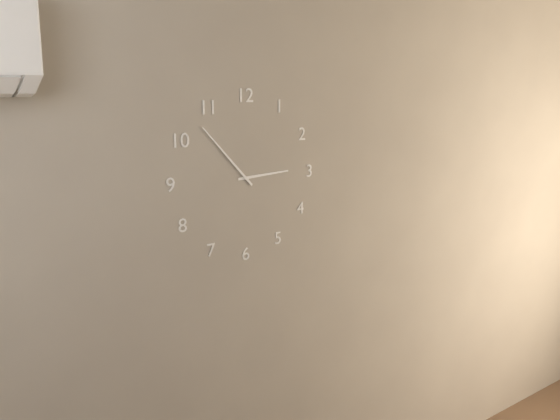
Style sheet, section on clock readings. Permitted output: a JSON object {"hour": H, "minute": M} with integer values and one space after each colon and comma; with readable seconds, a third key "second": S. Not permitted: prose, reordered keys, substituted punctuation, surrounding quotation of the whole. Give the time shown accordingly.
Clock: {"hour": 2, "minute": 53}
